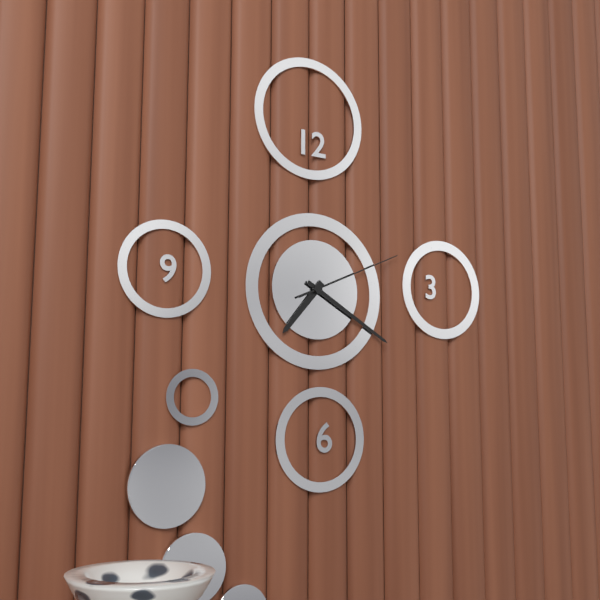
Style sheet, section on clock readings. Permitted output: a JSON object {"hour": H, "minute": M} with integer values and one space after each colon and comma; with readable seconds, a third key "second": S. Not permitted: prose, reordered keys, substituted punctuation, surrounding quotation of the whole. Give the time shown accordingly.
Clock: {"hour": 7, "minute": 20, "second": 11}
